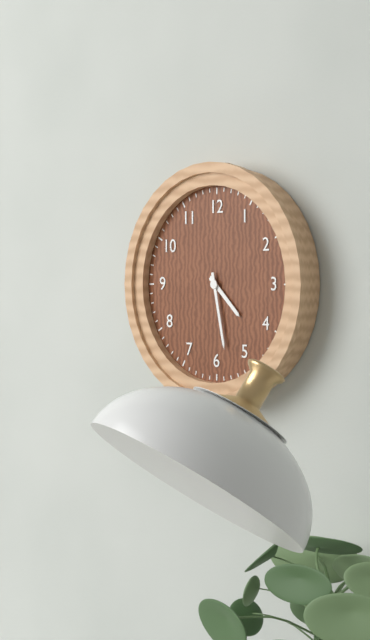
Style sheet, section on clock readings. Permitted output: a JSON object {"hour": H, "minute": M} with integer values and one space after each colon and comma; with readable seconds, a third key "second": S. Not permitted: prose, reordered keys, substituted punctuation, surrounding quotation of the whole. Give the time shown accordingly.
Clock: {"hour": 4, "minute": 28}
